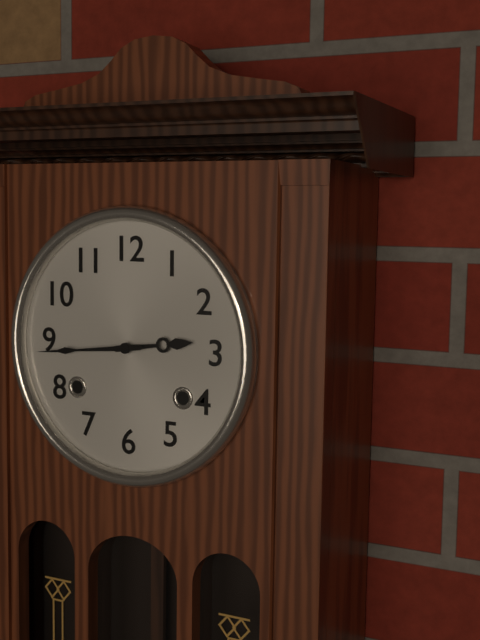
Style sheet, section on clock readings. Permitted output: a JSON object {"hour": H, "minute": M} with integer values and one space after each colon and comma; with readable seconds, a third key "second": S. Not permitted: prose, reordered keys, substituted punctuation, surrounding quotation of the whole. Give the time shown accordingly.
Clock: {"hour": 2, "minute": 44}
